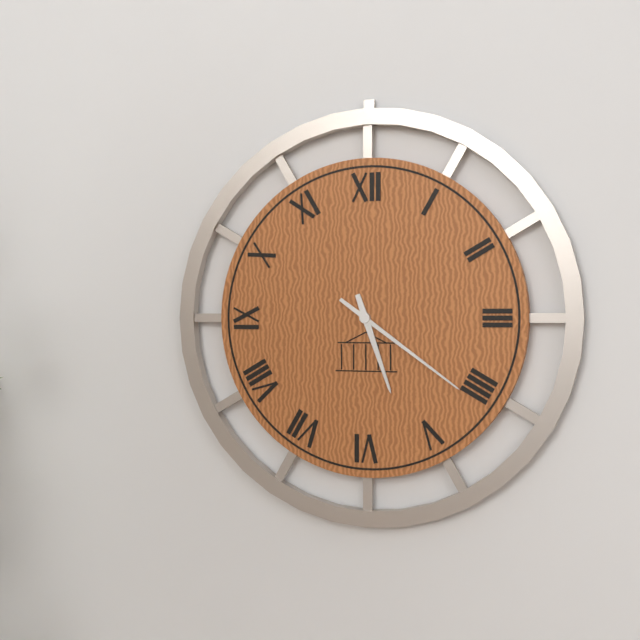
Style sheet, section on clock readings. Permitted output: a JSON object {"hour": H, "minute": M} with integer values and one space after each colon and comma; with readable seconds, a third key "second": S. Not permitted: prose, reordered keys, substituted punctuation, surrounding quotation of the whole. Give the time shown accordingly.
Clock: {"hour": 5, "minute": 21}
